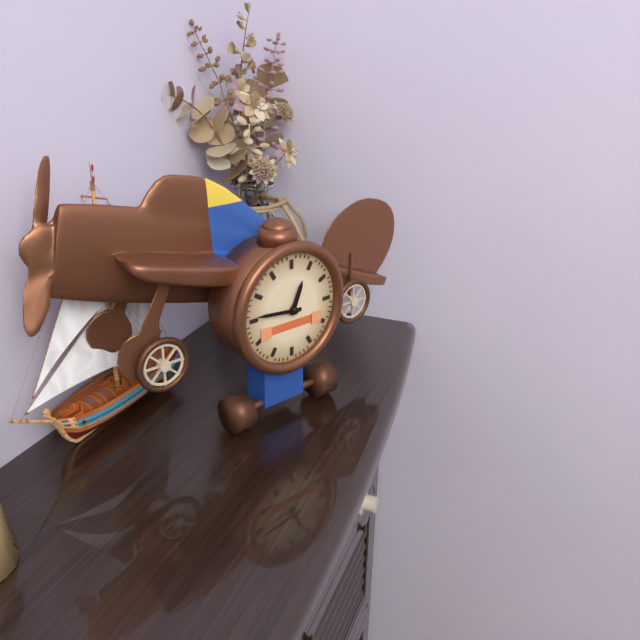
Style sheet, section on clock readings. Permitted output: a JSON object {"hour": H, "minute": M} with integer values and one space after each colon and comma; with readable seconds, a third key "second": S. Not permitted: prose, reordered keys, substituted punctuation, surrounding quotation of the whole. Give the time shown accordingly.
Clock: {"hour": 12, "minute": 46}
